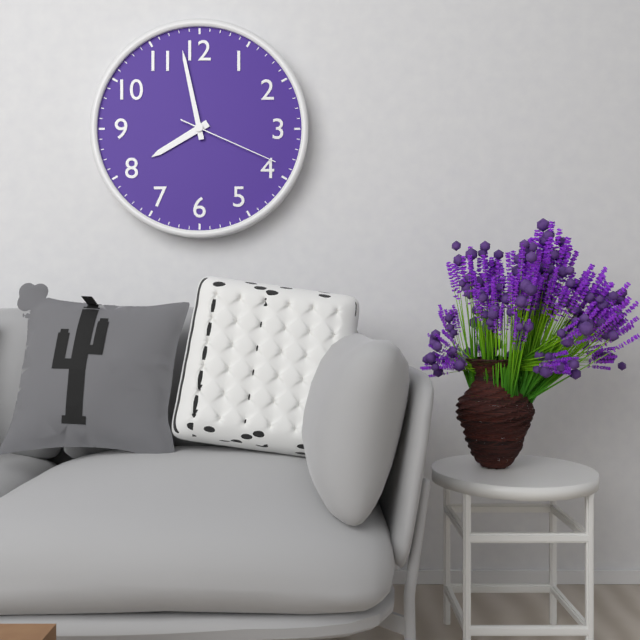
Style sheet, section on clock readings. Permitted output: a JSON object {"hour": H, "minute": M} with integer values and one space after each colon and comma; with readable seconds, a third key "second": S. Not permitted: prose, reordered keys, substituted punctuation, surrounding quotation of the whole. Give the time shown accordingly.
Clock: {"hour": 7, "minute": 58, "second": 19}
